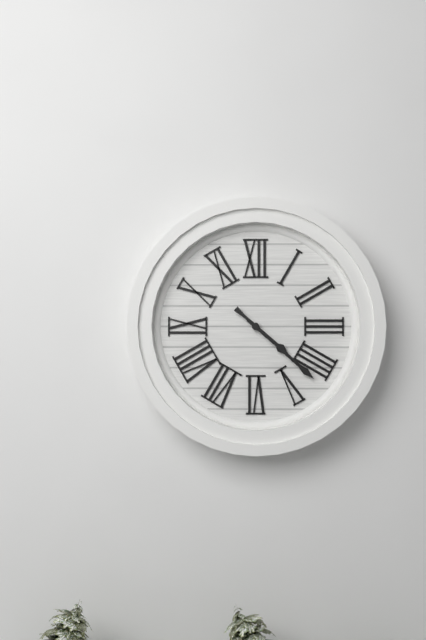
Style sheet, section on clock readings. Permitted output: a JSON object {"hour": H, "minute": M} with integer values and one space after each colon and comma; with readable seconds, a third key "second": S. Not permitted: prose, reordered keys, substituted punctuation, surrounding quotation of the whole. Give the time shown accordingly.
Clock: {"hour": 4, "minute": 22}
